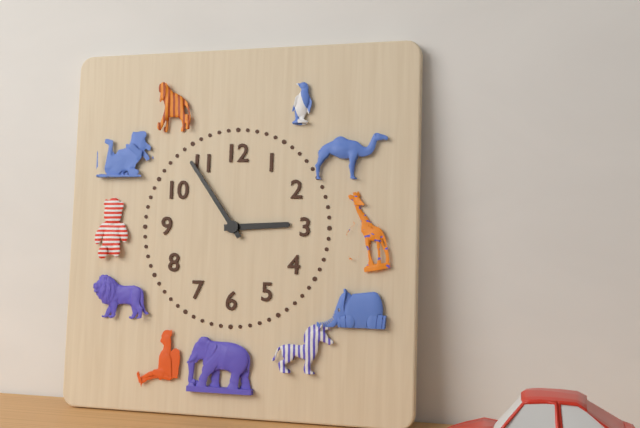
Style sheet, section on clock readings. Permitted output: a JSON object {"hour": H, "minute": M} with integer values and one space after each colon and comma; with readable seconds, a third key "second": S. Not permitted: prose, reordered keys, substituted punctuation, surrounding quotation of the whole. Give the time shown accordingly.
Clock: {"hour": 2, "minute": 54}
